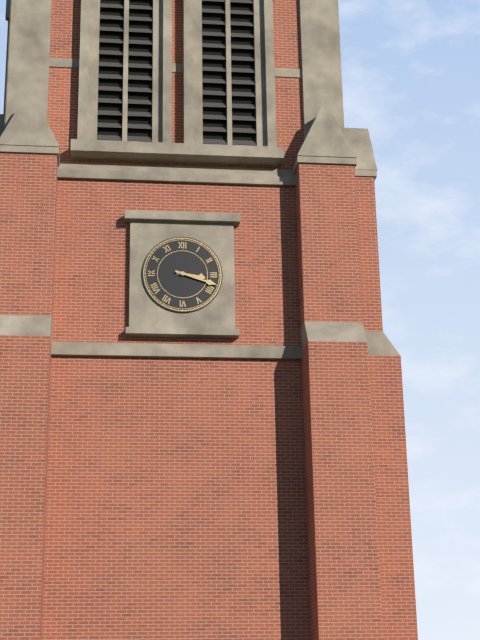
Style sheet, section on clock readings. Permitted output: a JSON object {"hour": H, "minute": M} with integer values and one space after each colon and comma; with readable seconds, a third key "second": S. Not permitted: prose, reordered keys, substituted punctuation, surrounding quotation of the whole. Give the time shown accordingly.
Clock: {"hour": 3, "minute": 18}
